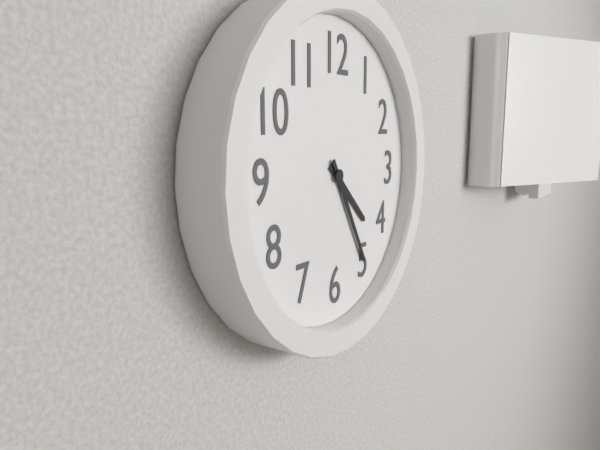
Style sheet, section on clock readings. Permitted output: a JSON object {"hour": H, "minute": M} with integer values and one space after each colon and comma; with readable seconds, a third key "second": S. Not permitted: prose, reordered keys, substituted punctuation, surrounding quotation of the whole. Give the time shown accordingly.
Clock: {"hour": 4, "minute": 25}
